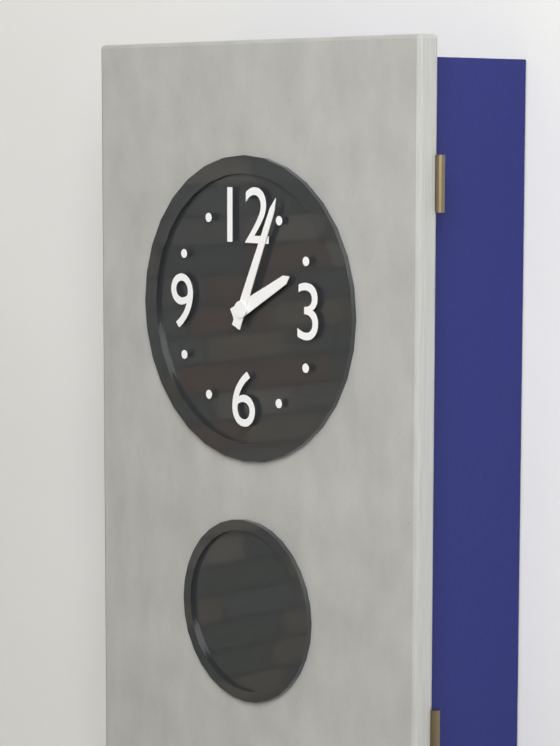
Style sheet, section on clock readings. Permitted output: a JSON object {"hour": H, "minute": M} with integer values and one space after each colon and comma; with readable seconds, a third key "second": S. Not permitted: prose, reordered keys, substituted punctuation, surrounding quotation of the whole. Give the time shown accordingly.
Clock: {"hour": 2, "minute": 4}
